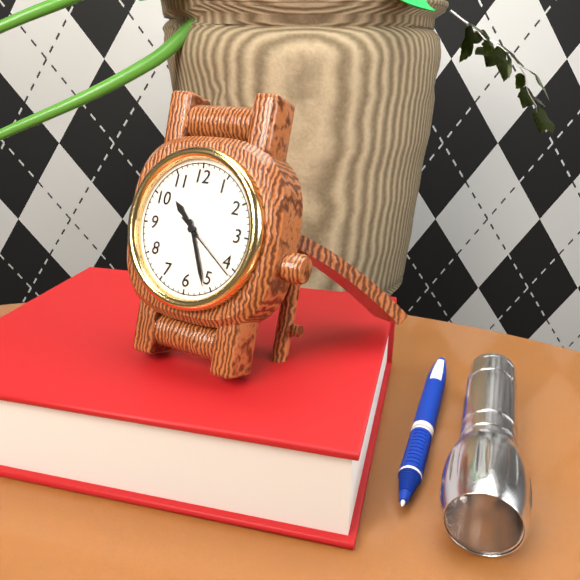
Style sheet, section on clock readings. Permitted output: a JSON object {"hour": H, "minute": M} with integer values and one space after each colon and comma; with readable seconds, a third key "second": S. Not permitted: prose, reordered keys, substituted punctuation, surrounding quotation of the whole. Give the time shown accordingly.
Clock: {"hour": 10, "minute": 26, "second": 21}
